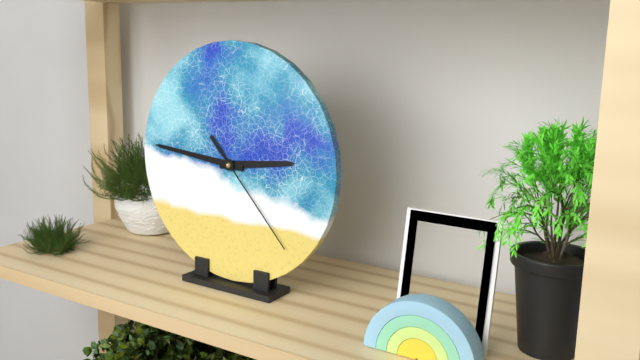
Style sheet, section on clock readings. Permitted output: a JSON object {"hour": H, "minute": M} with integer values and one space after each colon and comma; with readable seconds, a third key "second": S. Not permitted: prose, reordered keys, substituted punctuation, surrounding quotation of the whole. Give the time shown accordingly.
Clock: {"hour": 2, "minute": 46, "second": 23}
